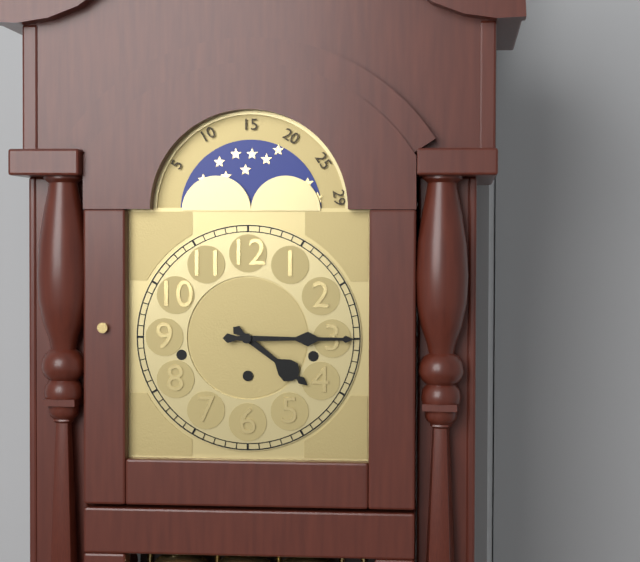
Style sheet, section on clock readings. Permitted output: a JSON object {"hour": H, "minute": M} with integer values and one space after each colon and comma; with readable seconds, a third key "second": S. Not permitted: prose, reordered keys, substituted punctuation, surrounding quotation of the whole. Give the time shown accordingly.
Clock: {"hour": 4, "minute": 15}
